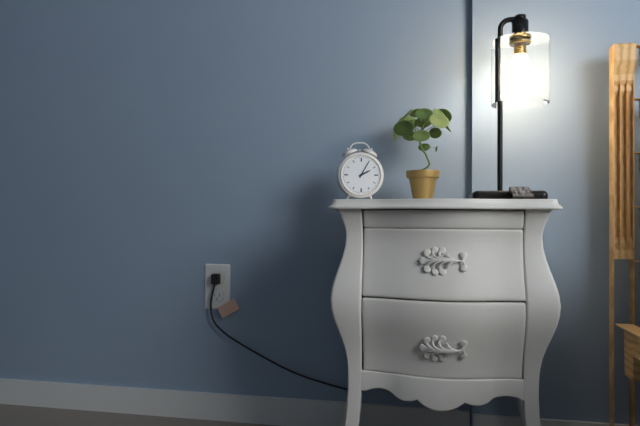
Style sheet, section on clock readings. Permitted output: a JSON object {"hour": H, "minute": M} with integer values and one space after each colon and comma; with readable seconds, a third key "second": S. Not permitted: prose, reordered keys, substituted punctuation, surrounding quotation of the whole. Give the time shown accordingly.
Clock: {"hour": 2, "minute": 5}
